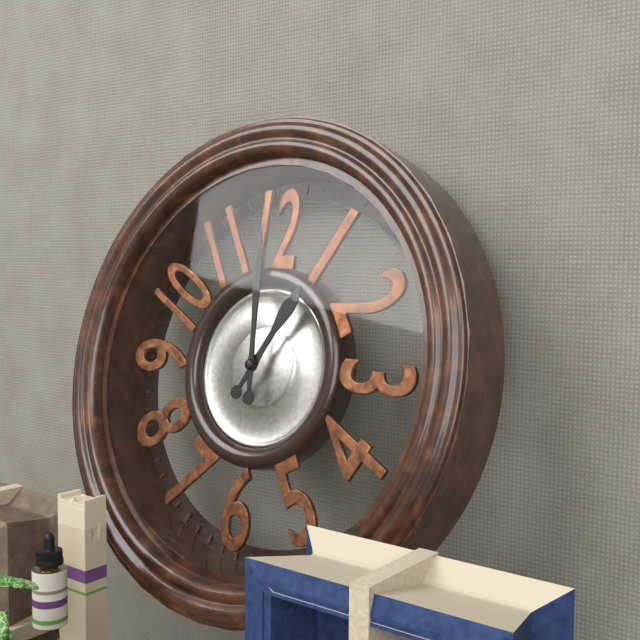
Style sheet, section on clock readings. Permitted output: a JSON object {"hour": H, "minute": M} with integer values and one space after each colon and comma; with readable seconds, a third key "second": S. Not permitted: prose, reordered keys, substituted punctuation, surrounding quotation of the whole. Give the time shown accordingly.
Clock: {"hour": 12, "minute": 59}
